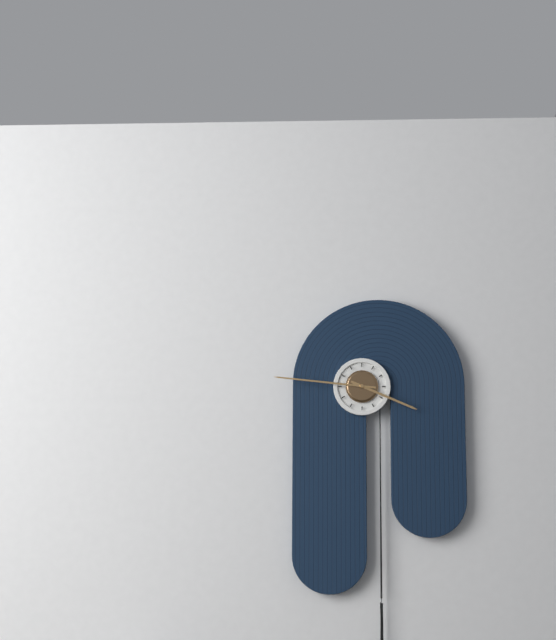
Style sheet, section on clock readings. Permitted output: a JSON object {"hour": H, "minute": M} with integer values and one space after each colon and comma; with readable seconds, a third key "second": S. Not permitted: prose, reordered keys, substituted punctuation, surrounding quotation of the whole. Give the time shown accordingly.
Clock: {"hour": 3, "minute": 46}
